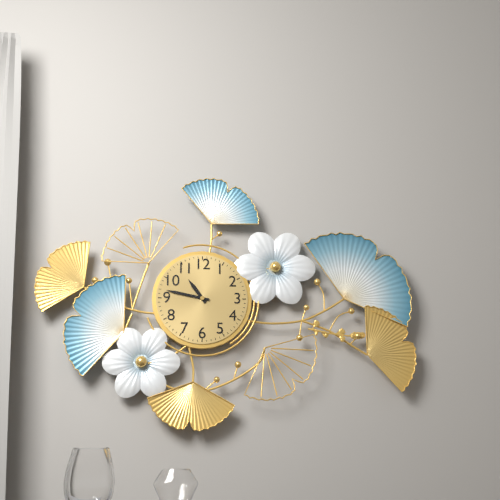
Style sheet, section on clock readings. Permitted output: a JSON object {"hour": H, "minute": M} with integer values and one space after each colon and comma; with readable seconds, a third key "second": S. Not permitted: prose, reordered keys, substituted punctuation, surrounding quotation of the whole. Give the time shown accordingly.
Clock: {"hour": 10, "minute": 47}
